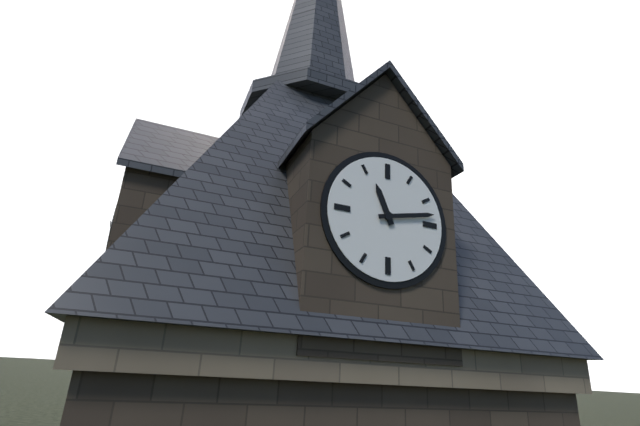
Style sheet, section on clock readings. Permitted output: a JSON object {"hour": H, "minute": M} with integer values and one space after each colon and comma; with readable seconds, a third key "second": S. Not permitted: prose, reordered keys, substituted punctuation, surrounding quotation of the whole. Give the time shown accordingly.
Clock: {"hour": 11, "minute": 13}
